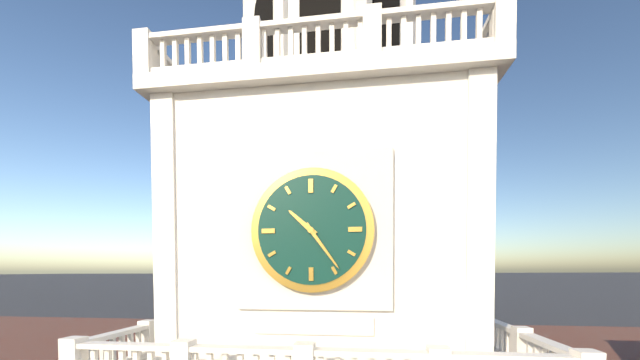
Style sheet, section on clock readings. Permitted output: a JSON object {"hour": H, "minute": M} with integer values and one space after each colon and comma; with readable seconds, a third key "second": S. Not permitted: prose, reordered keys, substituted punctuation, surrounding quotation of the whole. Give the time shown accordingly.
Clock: {"hour": 10, "minute": 24}
